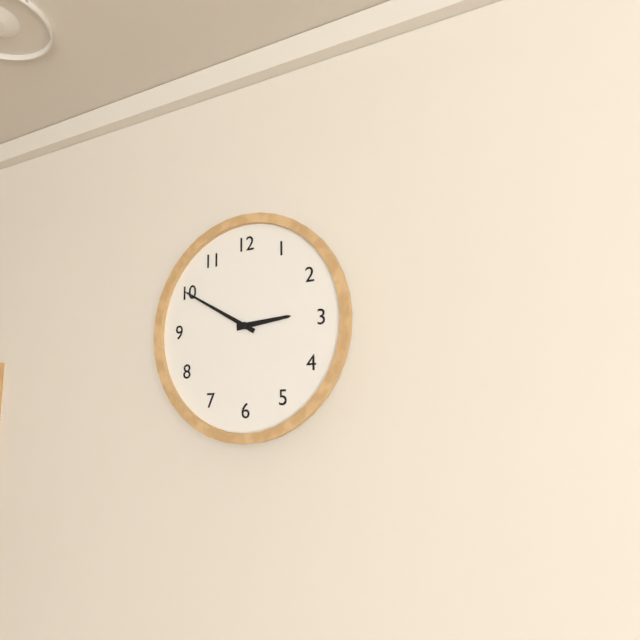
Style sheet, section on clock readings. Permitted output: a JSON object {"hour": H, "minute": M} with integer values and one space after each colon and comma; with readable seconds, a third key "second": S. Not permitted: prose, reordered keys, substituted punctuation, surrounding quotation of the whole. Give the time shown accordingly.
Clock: {"hour": 2, "minute": 50}
